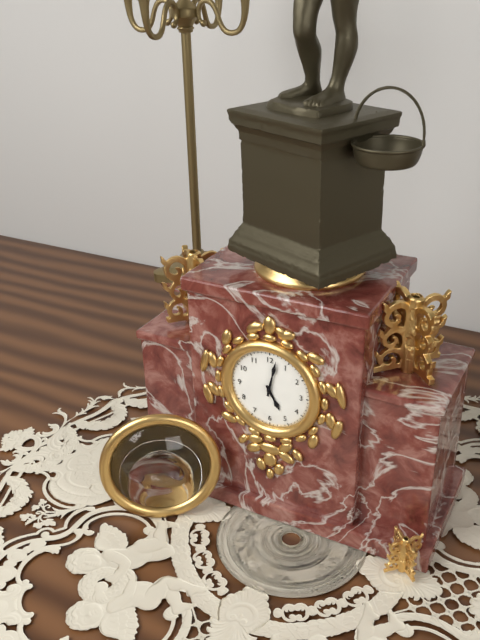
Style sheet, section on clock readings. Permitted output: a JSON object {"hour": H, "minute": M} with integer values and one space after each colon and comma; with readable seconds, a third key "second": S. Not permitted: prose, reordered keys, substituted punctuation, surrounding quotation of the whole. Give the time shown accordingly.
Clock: {"hour": 5, "minute": 2}
